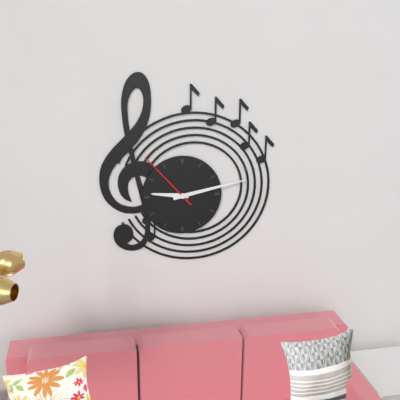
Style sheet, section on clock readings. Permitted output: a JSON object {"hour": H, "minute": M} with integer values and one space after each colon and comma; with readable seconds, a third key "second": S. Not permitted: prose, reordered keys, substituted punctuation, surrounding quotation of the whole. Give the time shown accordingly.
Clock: {"hour": 9, "minute": 13, "second": 53}
